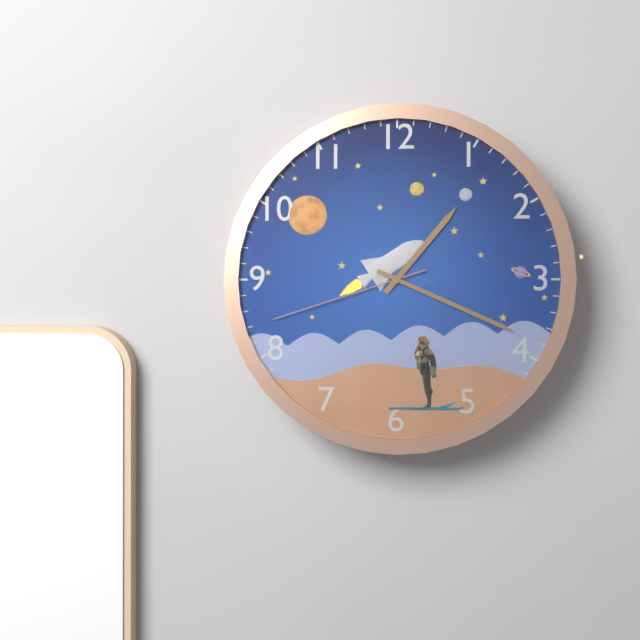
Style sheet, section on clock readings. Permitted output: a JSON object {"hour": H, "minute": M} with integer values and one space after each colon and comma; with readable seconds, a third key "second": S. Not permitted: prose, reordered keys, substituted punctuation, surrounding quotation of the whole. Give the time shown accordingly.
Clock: {"hour": 1, "minute": 19, "second": 42}
